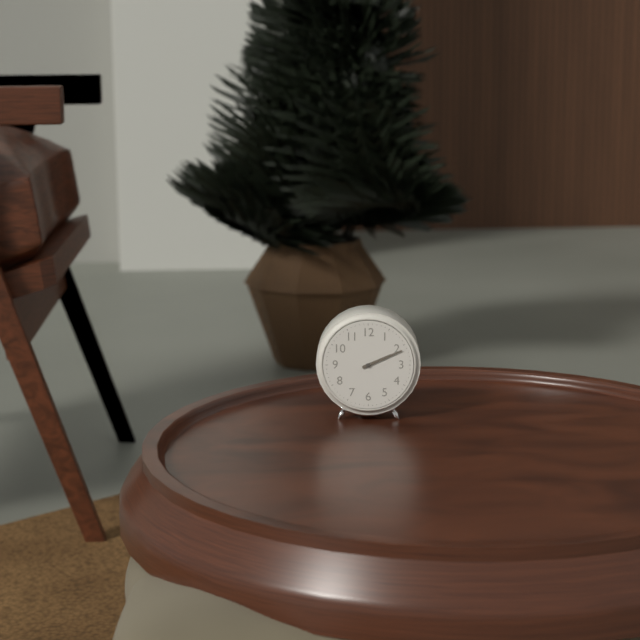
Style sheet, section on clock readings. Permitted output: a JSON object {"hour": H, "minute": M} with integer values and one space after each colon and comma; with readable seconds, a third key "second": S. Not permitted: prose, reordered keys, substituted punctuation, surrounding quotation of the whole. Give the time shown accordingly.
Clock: {"hour": 2, "minute": 11}
